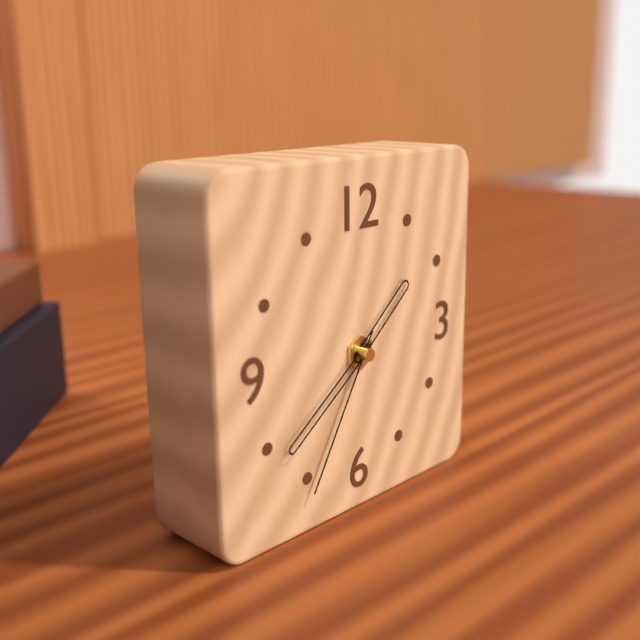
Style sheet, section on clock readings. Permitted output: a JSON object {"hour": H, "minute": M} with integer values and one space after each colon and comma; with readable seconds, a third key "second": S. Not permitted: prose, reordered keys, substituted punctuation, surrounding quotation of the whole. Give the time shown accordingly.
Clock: {"hour": 1, "minute": 39, "second": 35}
